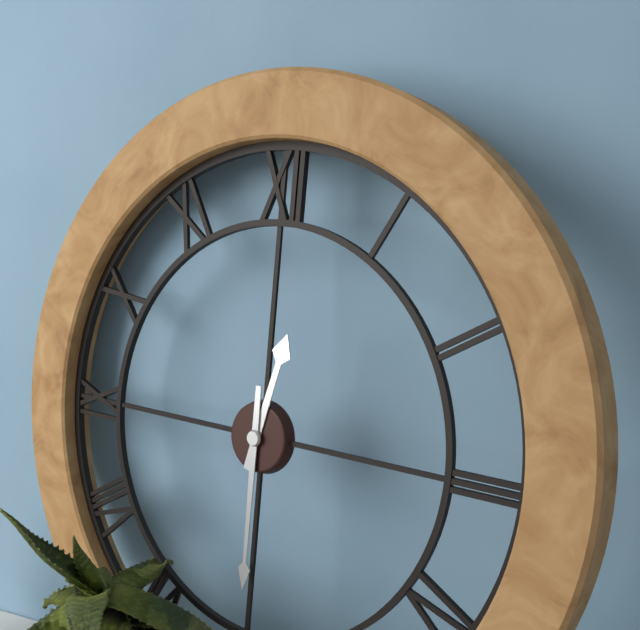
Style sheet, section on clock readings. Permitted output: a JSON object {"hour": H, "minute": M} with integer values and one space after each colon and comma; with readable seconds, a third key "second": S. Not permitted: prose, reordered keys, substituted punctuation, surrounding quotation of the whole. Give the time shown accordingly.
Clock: {"hour": 12, "minute": 30}
